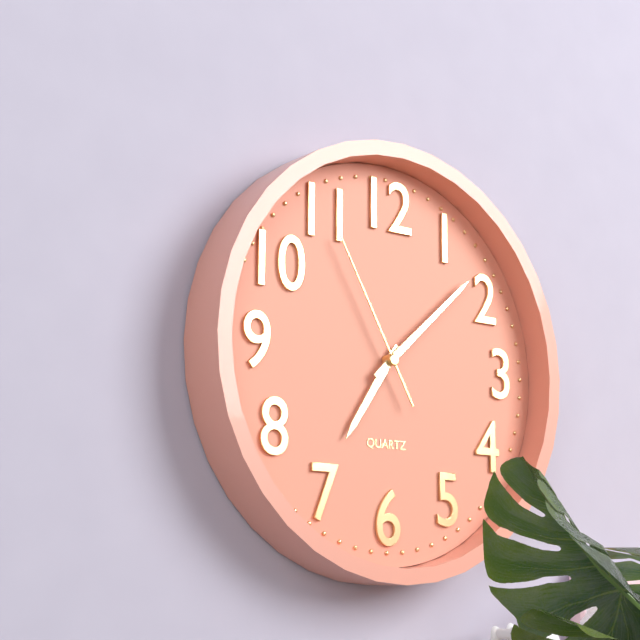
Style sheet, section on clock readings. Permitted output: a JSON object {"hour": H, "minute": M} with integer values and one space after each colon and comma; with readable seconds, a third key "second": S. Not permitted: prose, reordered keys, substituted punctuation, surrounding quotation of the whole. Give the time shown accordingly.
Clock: {"hour": 7, "minute": 8, "second": 55}
